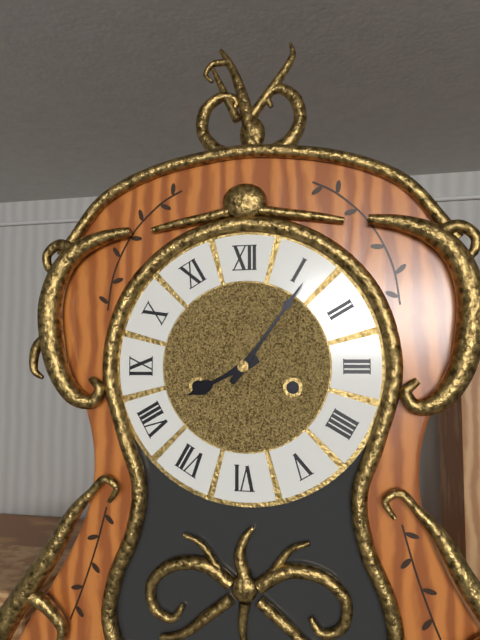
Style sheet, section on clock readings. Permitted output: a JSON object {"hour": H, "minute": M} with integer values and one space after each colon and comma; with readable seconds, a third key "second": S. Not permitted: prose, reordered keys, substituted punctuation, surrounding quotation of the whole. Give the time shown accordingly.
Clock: {"hour": 8, "minute": 6}
